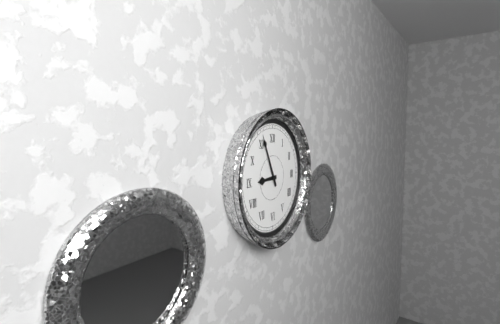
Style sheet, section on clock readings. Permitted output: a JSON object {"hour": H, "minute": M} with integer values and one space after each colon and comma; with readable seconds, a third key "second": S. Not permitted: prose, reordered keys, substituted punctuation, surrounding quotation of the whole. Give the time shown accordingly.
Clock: {"hour": 8, "minute": 56}
